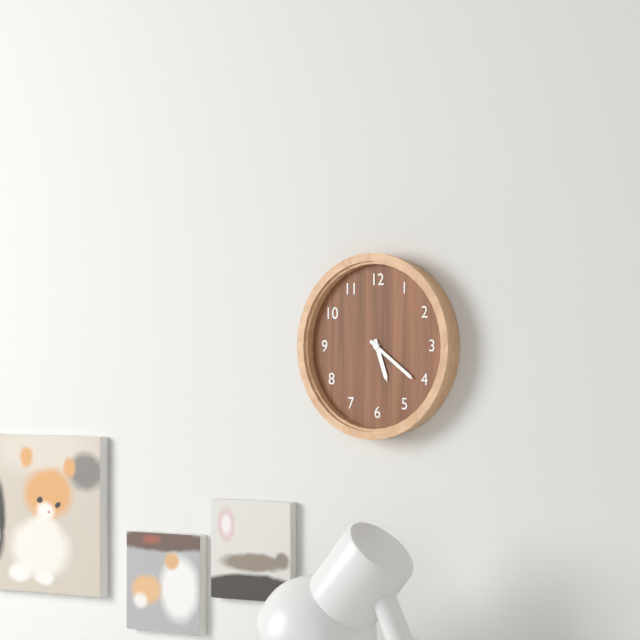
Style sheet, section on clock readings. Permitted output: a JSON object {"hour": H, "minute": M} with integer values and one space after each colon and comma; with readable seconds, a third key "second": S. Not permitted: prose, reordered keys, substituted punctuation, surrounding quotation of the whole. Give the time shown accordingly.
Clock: {"hour": 5, "minute": 21}
